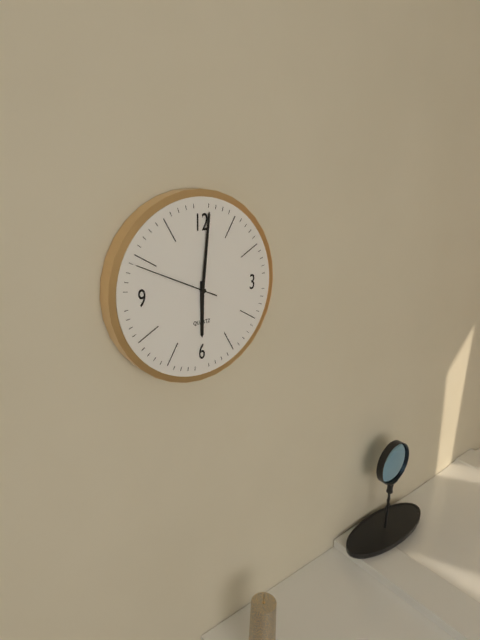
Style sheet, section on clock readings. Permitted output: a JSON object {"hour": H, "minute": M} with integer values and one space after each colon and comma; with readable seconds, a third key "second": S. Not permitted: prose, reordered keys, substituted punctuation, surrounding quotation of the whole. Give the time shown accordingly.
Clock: {"hour": 6, "minute": 1, "second": 49}
